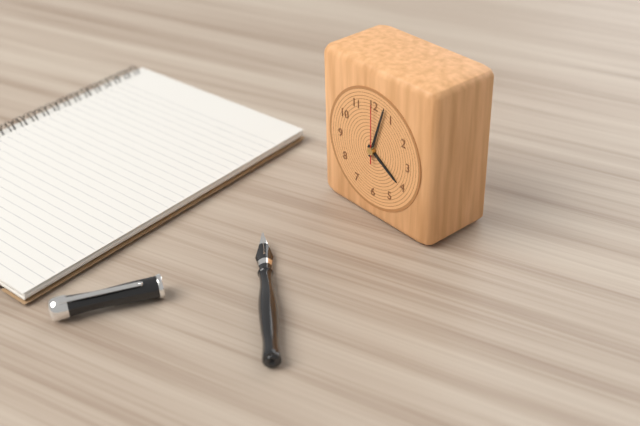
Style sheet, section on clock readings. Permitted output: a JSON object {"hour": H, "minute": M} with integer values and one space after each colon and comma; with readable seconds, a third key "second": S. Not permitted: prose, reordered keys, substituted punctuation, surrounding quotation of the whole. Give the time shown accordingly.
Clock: {"hour": 4, "minute": 3, "second": 0}
